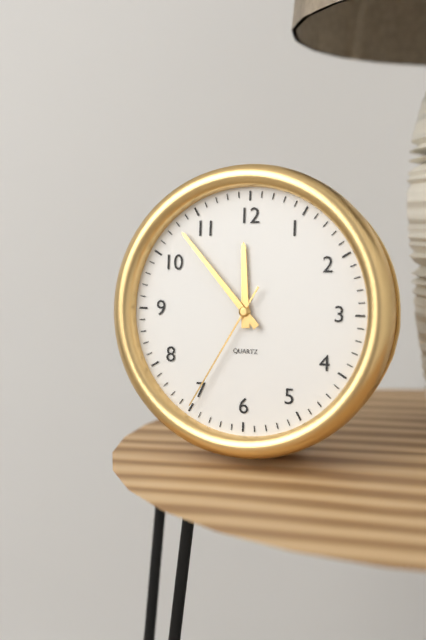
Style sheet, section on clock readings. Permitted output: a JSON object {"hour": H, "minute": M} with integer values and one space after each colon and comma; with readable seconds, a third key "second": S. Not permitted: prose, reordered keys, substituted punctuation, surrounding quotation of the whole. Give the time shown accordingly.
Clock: {"hour": 11, "minute": 53, "second": 35}
